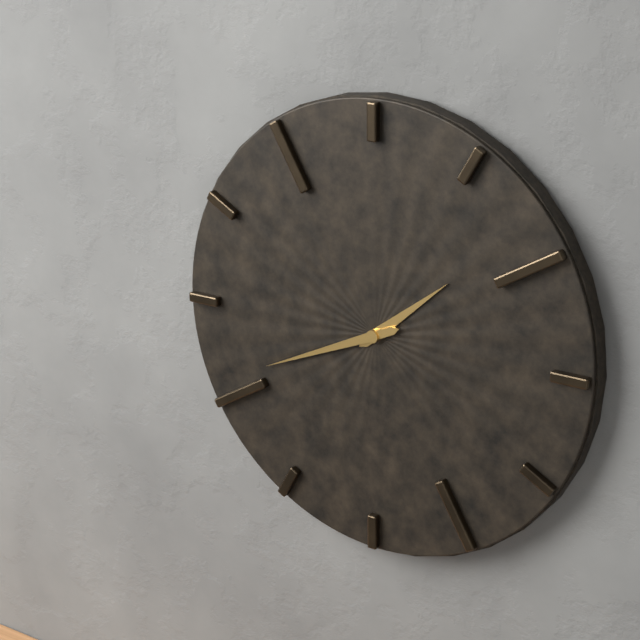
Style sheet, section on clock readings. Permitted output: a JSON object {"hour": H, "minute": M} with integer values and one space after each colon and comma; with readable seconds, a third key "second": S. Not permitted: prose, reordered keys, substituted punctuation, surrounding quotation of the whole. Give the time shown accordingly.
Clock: {"hour": 1, "minute": 41}
